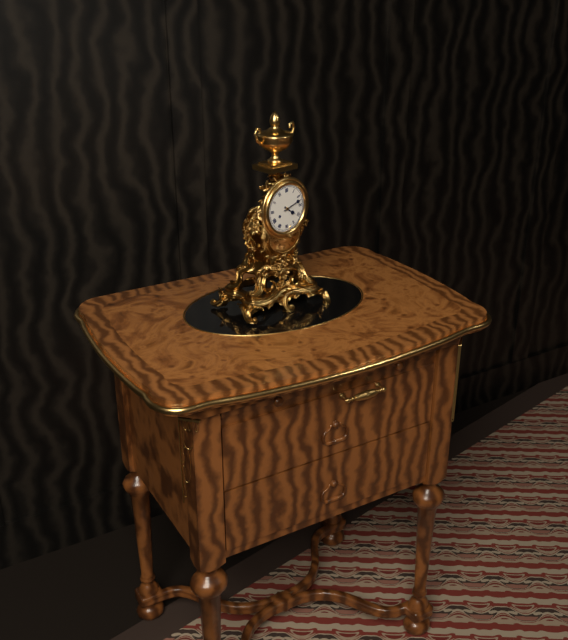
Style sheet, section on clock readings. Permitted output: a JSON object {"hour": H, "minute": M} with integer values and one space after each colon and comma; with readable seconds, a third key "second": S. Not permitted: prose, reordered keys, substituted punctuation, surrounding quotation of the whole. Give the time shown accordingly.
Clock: {"hour": 4, "minute": 12}
